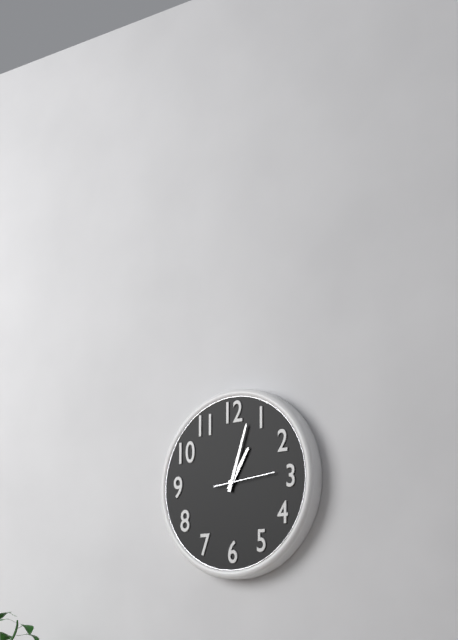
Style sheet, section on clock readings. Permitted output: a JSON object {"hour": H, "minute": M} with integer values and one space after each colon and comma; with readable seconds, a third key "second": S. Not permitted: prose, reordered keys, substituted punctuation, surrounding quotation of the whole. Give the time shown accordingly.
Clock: {"hour": 1, "minute": 3, "second": 14}
